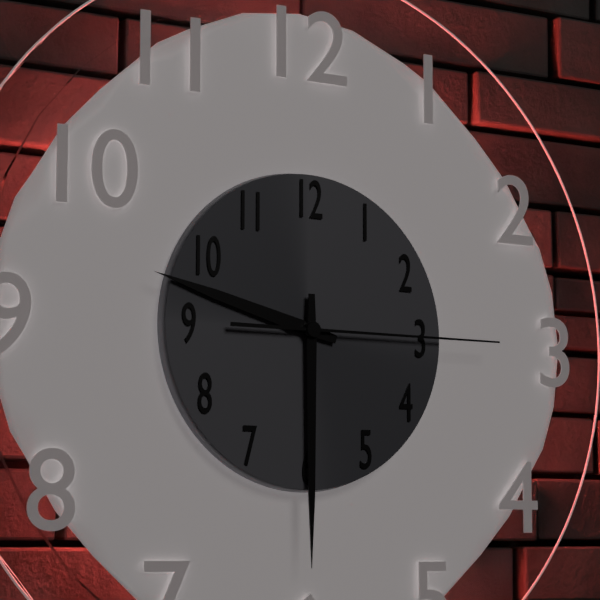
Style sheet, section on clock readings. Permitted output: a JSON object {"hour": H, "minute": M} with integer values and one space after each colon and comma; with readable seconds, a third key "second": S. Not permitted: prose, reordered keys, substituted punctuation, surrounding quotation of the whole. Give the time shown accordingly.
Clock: {"hour": 9, "minute": 30, "second": 15}
